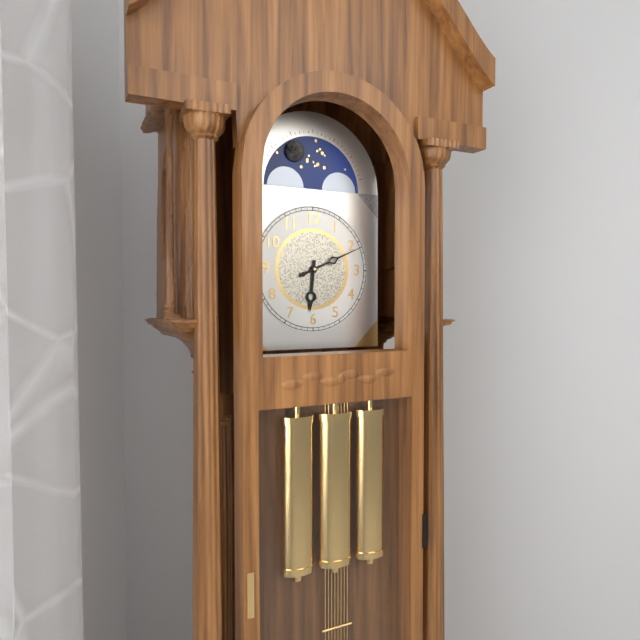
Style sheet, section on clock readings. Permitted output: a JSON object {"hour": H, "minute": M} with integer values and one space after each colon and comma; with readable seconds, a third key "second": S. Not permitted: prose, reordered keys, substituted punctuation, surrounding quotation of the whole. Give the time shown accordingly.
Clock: {"hour": 6, "minute": 11}
